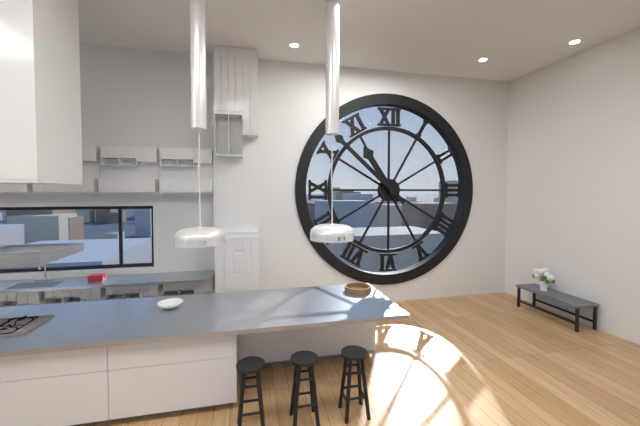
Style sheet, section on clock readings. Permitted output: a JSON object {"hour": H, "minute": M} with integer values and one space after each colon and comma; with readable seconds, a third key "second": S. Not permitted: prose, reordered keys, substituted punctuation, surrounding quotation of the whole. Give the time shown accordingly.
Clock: {"hour": 10, "minute": 52}
